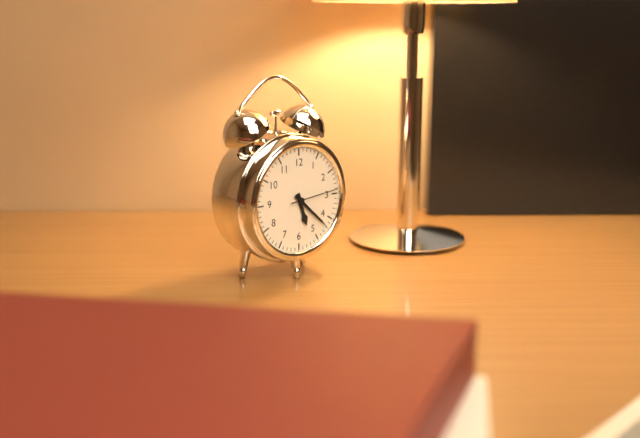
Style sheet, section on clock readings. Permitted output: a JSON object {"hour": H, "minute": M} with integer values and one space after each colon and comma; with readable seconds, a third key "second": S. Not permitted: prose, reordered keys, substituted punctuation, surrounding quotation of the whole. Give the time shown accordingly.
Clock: {"hour": 5, "minute": 22, "second": 14}
